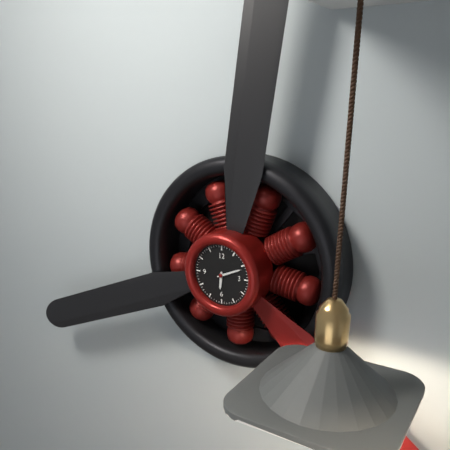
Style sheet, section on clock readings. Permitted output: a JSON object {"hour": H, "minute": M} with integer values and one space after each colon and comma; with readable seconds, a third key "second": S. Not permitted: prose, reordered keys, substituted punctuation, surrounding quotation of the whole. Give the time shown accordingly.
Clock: {"hour": 6, "minute": 11}
